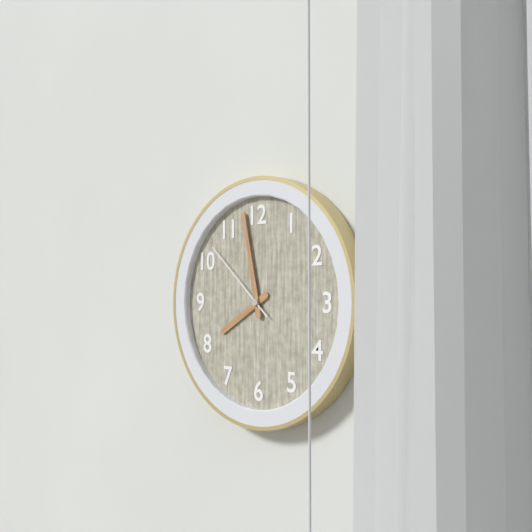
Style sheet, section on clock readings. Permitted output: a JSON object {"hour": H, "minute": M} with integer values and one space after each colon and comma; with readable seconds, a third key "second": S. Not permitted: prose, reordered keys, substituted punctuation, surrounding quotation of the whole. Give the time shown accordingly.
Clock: {"hour": 7, "minute": 58, "second": 52}
